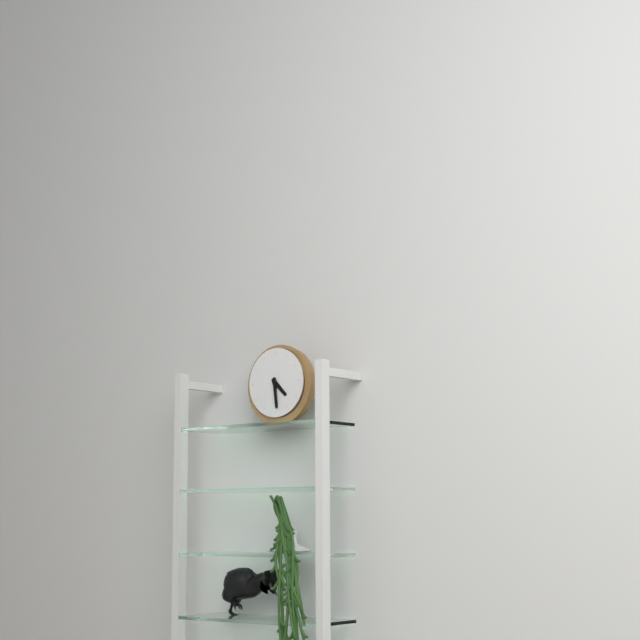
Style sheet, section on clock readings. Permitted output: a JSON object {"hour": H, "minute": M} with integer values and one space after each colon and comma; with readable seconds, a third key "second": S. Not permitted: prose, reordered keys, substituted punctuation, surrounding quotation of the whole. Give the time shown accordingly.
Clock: {"hour": 4, "minute": 29}
